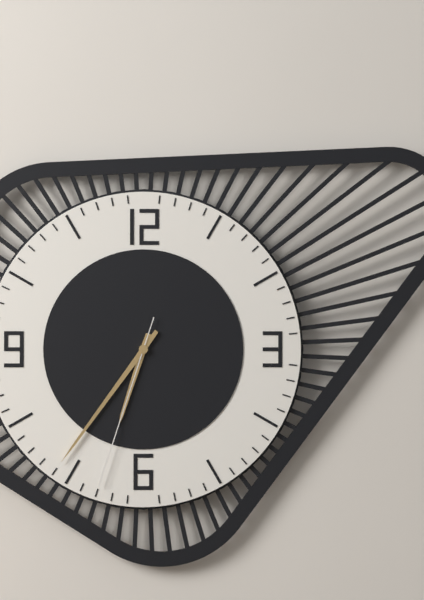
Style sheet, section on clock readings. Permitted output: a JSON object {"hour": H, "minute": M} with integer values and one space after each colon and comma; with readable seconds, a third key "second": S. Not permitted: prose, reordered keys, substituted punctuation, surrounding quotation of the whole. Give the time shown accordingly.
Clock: {"hour": 6, "minute": 36, "second": 33}
